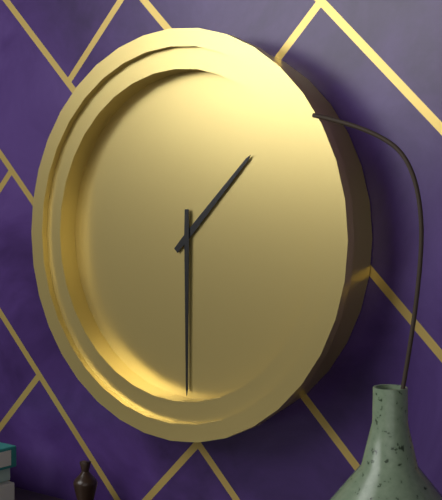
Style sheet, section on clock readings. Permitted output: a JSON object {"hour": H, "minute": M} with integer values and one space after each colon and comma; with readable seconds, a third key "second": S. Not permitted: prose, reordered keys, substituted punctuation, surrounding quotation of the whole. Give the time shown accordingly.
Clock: {"hour": 1, "minute": 30}
